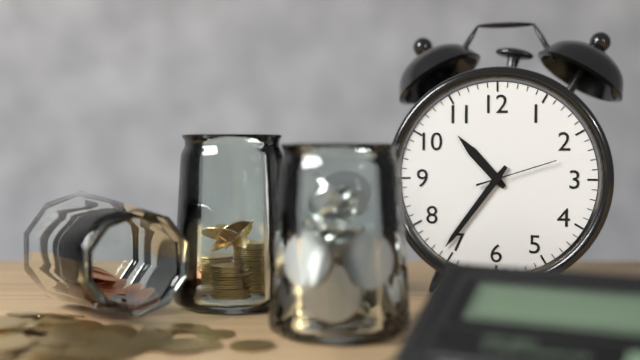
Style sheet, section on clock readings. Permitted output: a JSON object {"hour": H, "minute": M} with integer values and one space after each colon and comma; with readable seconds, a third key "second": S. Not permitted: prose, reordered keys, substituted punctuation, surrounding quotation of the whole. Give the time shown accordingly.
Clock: {"hour": 10, "minute": 36, "second": 12}
